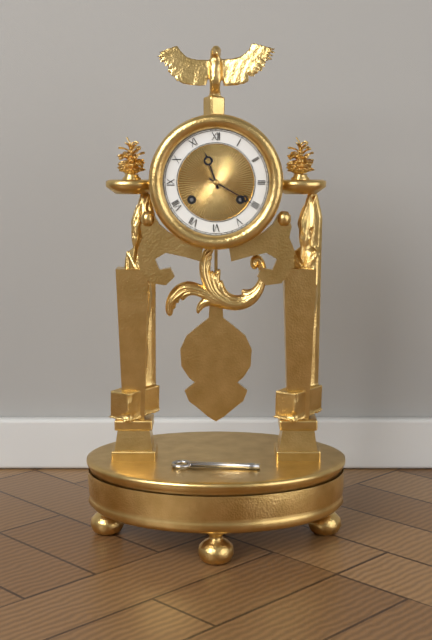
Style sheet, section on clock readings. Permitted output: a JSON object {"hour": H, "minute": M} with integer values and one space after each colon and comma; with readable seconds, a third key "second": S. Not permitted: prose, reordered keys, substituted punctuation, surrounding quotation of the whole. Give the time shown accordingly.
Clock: {"hour": 11, "minute": 20}
